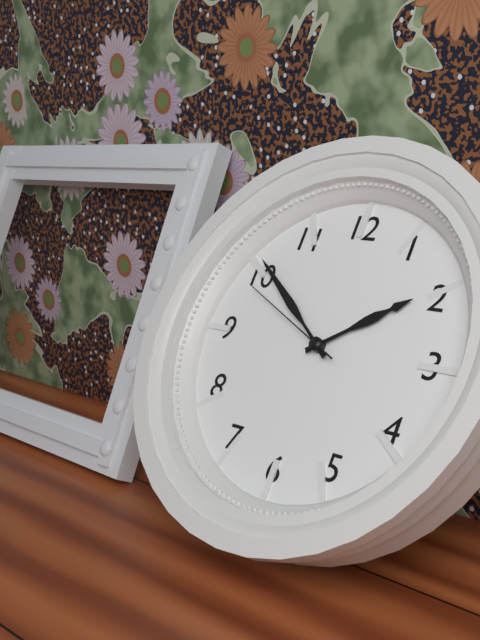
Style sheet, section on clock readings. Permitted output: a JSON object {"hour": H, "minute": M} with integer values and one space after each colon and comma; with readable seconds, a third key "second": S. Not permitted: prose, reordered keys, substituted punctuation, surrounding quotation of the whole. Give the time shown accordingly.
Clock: {"hour": 1, "minute": 51, "second": 49}
